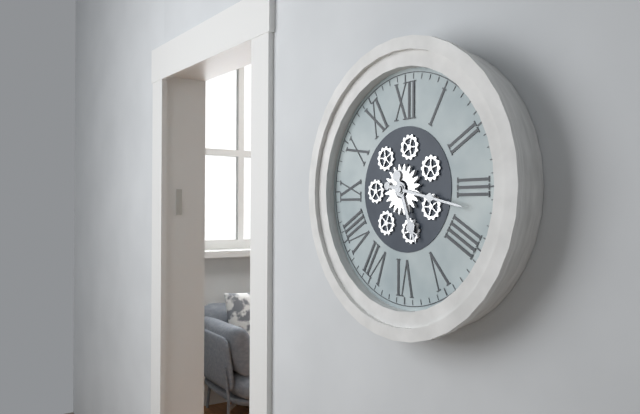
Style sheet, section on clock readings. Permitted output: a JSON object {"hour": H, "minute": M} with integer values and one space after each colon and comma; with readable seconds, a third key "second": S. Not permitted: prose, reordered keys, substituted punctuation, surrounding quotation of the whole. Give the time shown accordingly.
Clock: {"hour": 5, "minute": 17}
